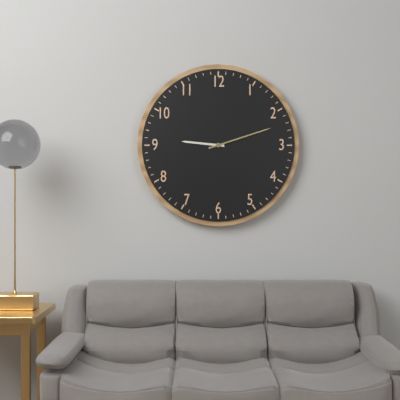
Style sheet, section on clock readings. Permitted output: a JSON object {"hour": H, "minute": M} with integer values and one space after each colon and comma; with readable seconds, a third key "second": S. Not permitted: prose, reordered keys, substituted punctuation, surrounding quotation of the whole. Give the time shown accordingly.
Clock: {"hour": 9, "minute": 12}
